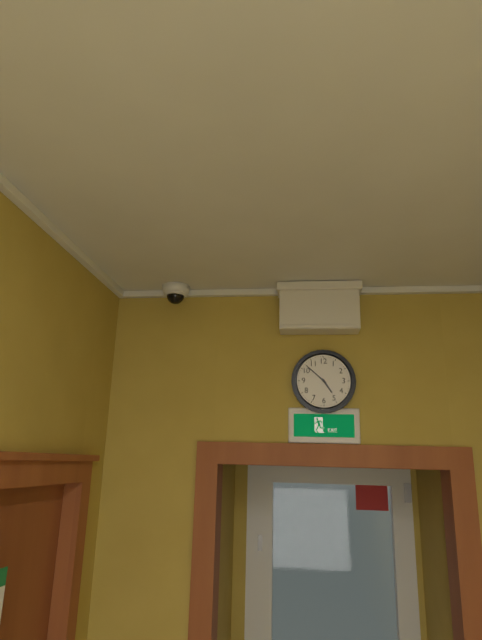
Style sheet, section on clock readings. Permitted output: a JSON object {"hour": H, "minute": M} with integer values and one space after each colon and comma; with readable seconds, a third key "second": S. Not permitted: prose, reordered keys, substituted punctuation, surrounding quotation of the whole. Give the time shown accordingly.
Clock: {"hour": 4, "minute": 52}
